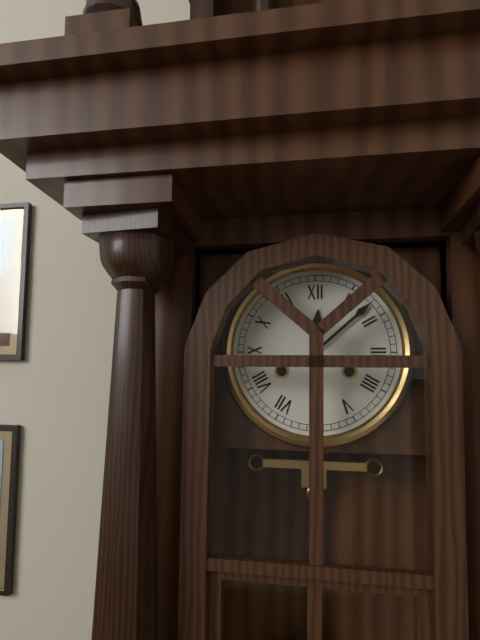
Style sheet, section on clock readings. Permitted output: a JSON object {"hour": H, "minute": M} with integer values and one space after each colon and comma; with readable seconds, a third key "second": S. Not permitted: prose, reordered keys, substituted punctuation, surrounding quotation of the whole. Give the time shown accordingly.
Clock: {"hour": 12, "minute": 8}
